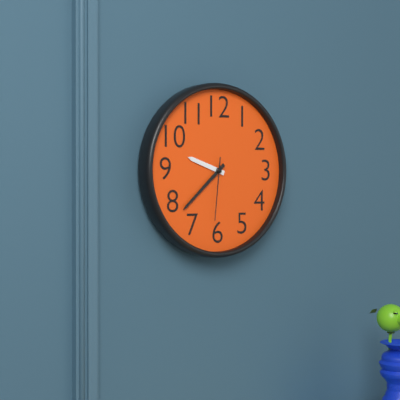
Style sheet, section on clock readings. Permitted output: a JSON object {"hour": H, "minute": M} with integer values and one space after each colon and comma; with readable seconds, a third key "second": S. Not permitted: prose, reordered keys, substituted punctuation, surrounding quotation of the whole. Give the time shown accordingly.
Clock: {"hour": 9, "minute": 38, "second": 31}
